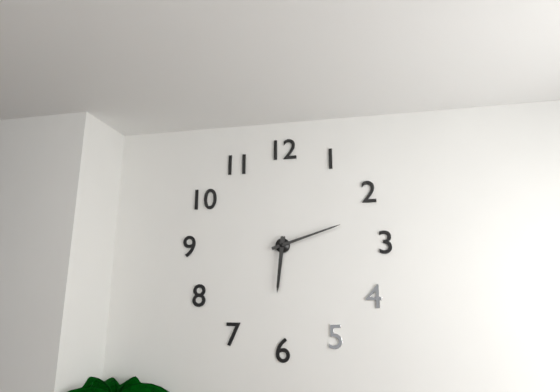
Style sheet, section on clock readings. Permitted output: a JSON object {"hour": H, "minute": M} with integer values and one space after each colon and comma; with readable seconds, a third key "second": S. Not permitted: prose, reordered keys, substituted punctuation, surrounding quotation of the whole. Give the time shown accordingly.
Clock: {"hour": 6, "minute": 12}
